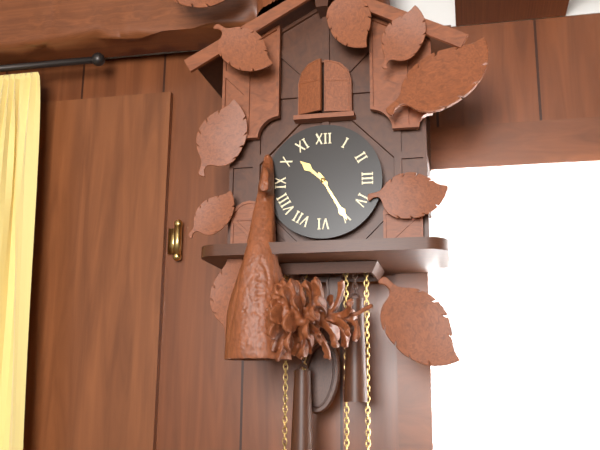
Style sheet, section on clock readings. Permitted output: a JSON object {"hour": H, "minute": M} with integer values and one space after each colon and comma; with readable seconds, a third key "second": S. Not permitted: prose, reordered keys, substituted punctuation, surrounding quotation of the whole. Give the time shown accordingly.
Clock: {"hour": 10, "minute": 25}
